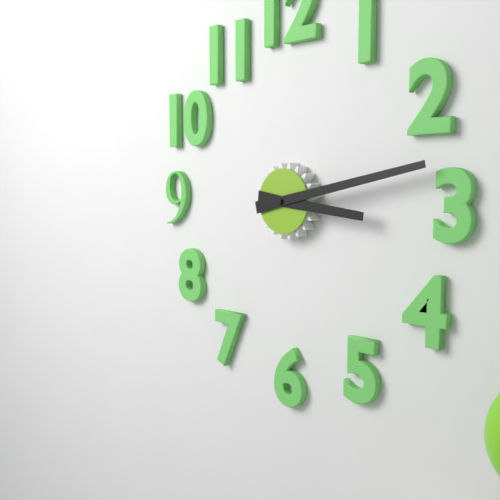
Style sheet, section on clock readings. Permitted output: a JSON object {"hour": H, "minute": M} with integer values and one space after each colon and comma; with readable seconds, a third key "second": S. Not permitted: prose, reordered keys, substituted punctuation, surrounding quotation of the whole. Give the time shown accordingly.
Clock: {"hour": 3, "minute": 13}
